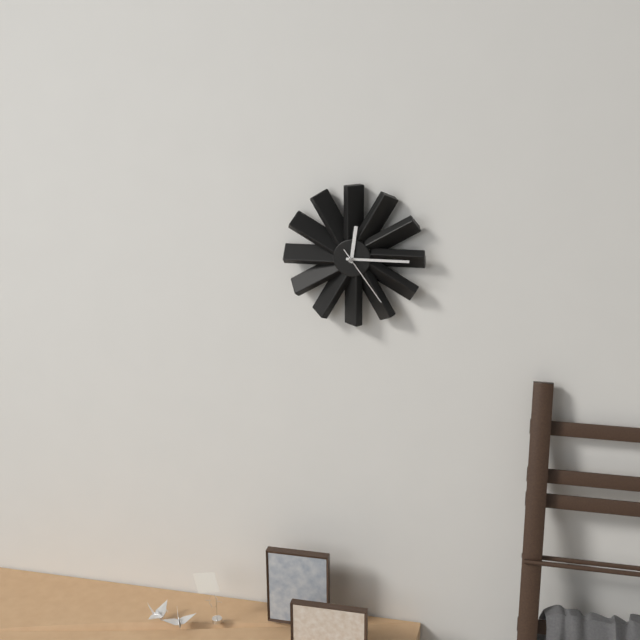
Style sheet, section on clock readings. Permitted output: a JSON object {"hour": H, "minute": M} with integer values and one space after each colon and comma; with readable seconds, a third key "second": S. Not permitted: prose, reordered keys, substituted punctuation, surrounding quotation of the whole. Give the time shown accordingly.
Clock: {"hour": 12, "minute": 15, "second": 24}
